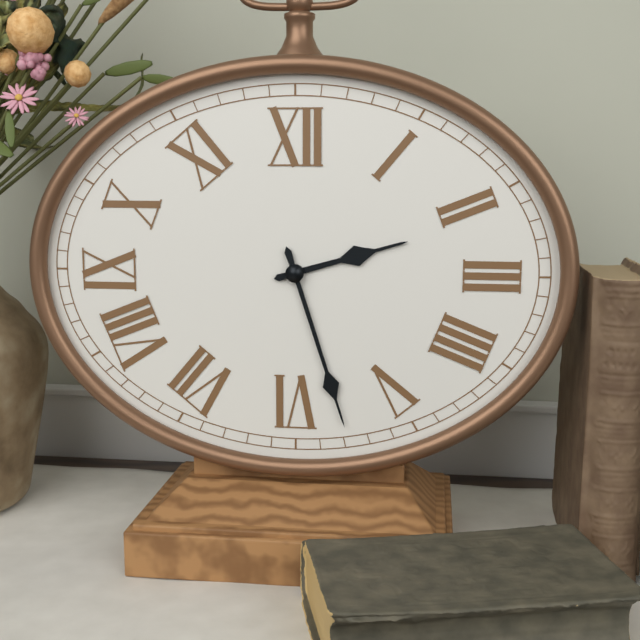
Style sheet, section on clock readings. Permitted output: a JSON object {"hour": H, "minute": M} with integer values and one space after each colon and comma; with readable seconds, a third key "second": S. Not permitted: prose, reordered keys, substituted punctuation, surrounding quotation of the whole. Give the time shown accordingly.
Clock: {"hour": 2, "minute": 27}
